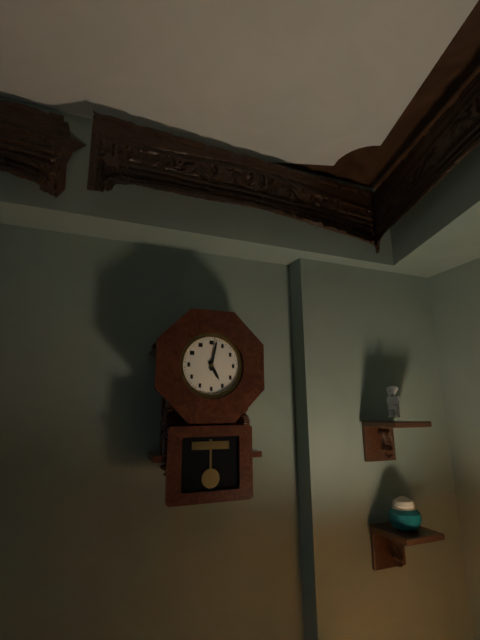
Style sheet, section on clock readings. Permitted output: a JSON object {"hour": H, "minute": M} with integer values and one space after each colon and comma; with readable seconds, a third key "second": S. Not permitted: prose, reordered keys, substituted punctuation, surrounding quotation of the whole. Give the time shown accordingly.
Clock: {"hour": 5, "minute": 2}
